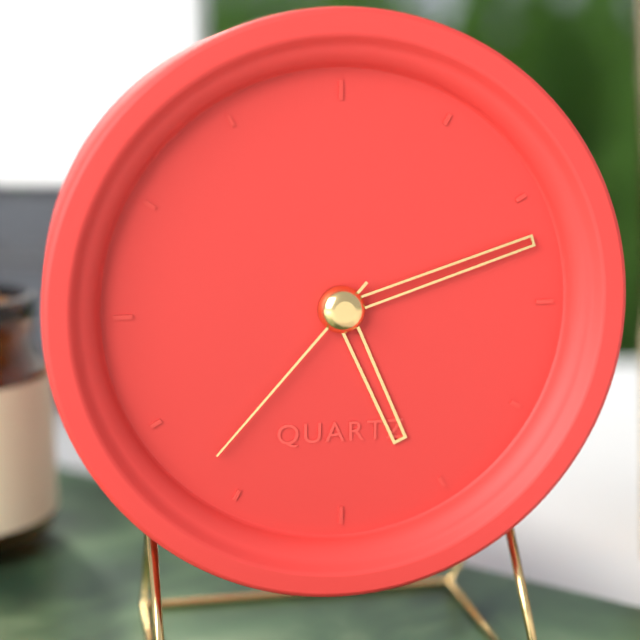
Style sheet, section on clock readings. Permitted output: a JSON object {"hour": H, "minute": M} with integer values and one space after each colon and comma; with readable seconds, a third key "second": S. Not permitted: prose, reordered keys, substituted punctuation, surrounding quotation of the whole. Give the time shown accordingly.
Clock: {"hour": 5, "minute": 12, "second": 37}
